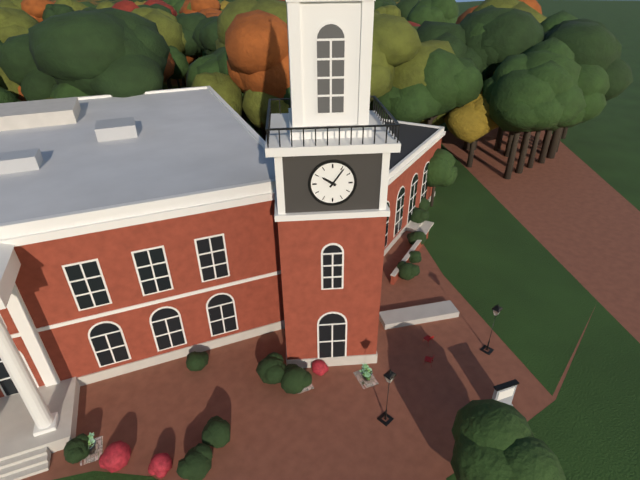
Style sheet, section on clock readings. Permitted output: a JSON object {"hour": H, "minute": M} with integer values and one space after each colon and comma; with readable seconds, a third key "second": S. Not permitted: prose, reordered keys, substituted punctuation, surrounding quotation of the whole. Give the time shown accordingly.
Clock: {"hour": 10, "minute": 6}
